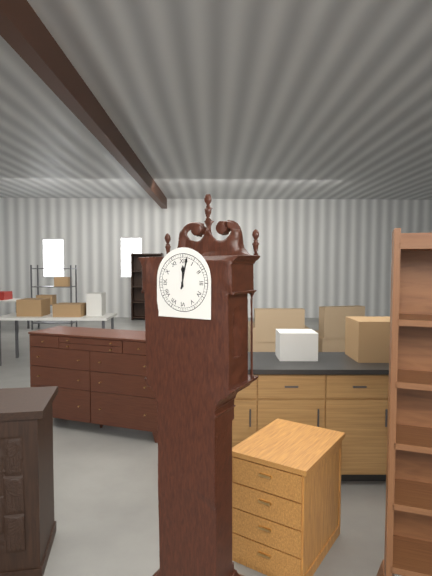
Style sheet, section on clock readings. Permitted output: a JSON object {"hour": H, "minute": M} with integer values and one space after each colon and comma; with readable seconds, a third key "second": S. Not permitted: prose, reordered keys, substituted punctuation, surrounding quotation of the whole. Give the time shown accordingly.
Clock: {"hour": 12, "minute": 2}
